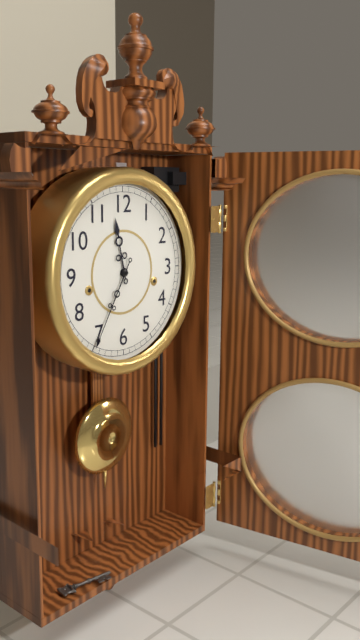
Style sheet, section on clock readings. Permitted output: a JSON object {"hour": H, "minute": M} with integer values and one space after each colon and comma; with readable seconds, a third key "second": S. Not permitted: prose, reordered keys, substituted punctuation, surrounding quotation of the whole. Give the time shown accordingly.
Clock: {"hour": 11, "minute": 35}
